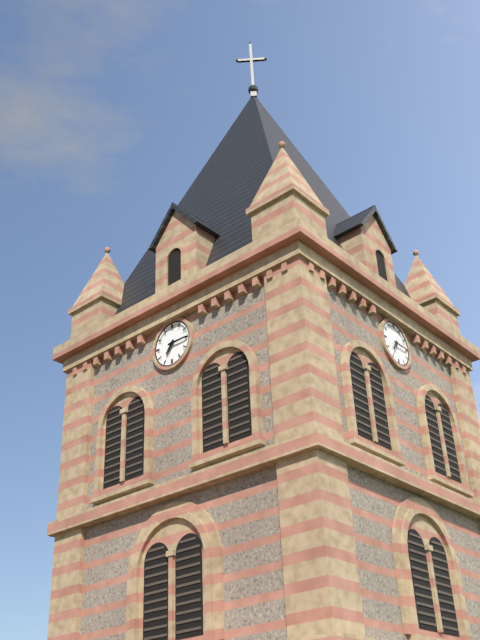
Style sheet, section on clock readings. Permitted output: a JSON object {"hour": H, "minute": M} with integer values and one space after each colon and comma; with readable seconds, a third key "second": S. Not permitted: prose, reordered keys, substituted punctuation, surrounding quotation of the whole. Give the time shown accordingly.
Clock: {"hour": 7, "minute": 15}
